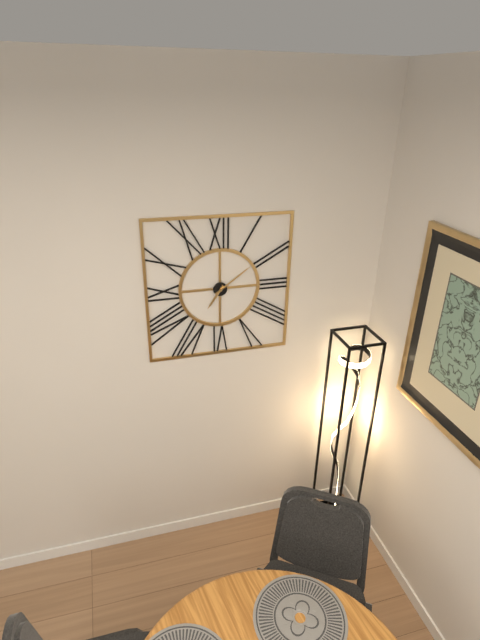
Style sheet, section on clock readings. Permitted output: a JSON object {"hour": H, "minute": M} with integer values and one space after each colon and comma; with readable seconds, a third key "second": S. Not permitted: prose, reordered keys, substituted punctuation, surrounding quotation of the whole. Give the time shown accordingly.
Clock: {"hour": 7, "minute": 9}
